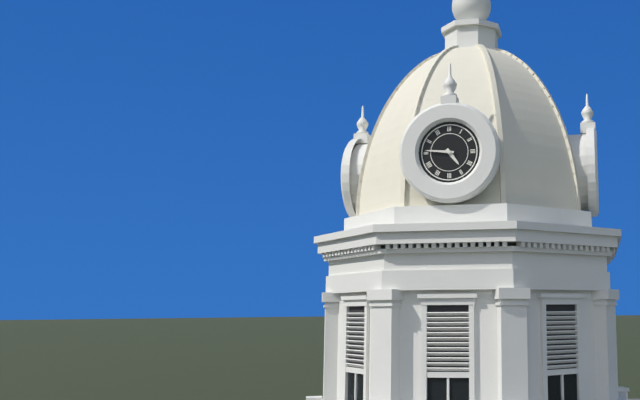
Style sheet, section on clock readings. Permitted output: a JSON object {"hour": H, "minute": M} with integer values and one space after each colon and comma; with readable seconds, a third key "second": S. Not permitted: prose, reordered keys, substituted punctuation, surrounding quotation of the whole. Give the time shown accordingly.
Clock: {"hour": 4, "minute": 46}
